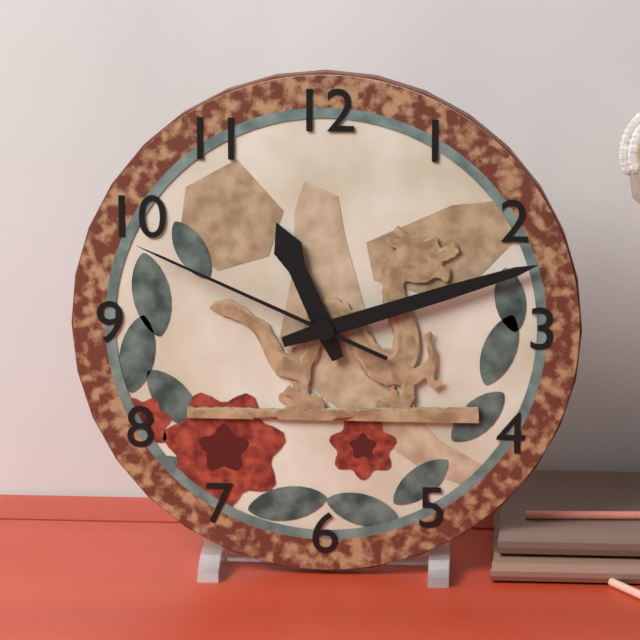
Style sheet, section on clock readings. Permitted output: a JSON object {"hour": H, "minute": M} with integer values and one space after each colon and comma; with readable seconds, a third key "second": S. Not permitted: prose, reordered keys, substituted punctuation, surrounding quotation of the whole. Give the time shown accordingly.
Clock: {"hour": 11, "minute": 12, "second": 49}
